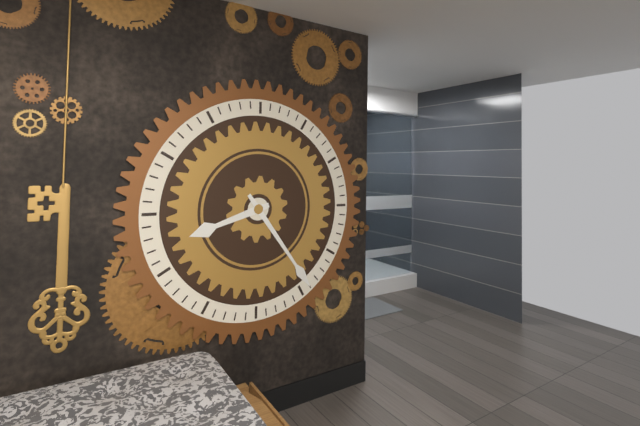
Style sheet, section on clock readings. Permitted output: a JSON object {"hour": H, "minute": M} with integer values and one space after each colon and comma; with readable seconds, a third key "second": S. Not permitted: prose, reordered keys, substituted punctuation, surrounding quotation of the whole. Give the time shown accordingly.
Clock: {"hour": 8, "minute": 24}
